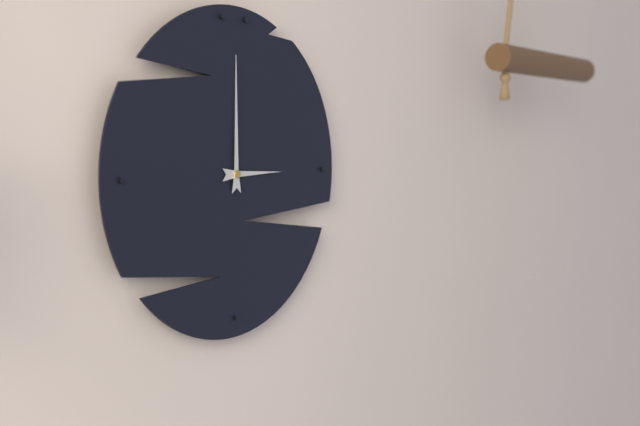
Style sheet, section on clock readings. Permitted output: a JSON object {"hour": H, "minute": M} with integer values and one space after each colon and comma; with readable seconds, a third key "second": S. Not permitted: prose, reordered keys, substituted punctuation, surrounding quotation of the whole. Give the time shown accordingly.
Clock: {"hour": 3, "minute": 0}
